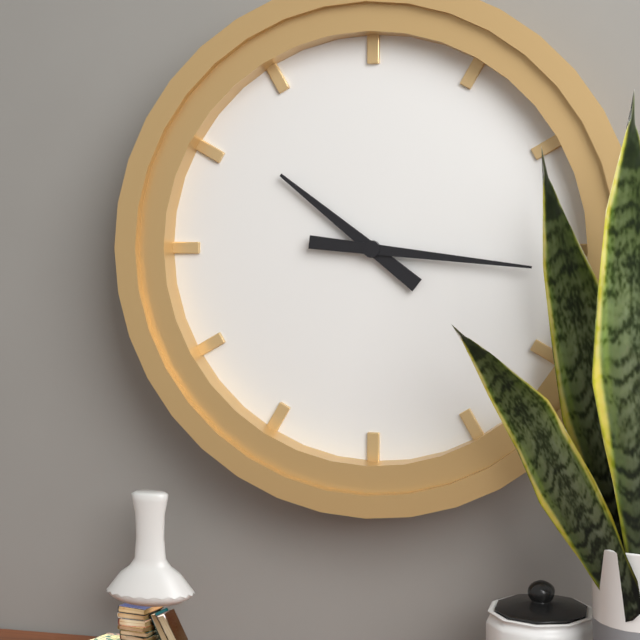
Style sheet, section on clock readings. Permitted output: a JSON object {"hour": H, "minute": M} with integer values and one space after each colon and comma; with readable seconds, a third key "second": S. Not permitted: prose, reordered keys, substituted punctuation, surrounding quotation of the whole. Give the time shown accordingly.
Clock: {"hour": 10, "minute": 16}
